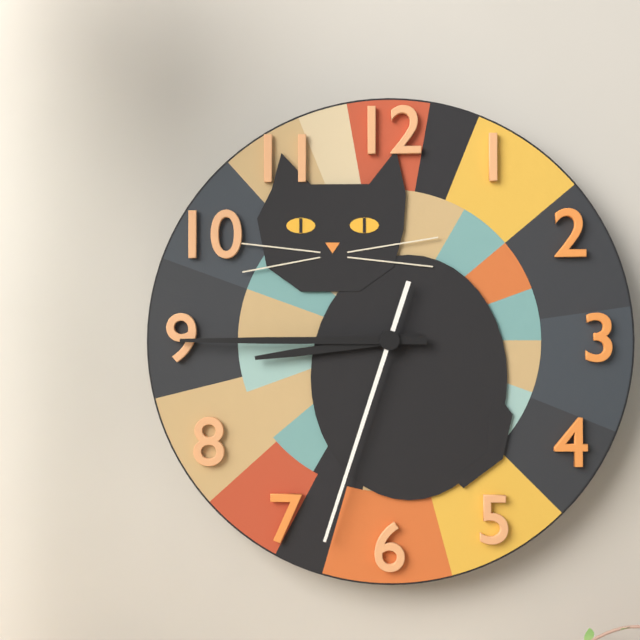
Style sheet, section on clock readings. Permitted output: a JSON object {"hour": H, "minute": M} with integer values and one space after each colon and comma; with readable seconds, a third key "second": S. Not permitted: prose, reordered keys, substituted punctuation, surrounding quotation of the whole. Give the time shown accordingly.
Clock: {"hour": 8, "minute": 45, "second": 33}
